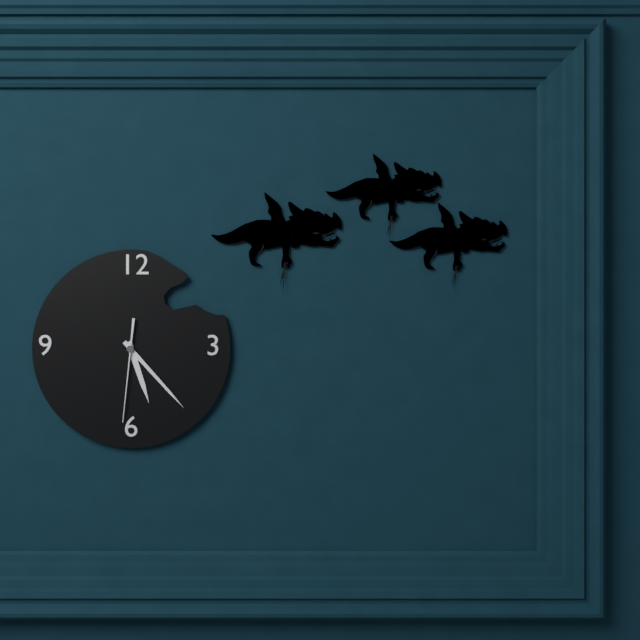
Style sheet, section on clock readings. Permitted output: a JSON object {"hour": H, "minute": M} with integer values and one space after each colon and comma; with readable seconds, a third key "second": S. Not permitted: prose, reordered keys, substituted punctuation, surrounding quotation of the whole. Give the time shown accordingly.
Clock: {"hour": 5, "minute": 23, "second": 31}
